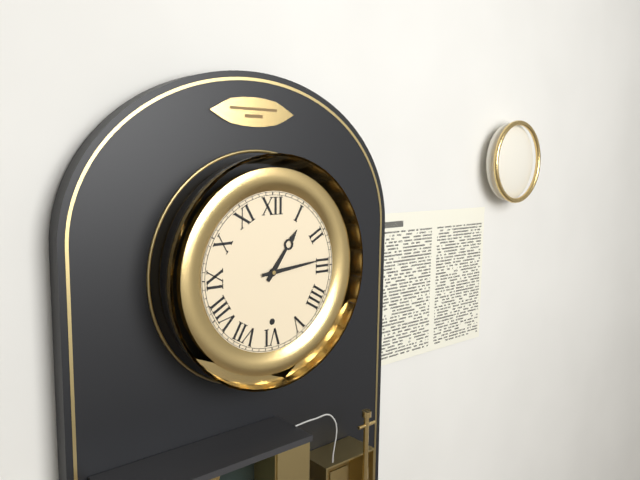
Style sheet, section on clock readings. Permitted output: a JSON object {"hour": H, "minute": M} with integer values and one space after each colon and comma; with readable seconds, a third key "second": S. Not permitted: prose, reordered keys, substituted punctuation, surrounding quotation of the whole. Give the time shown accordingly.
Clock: {"hour": 1, "minute": 14}
